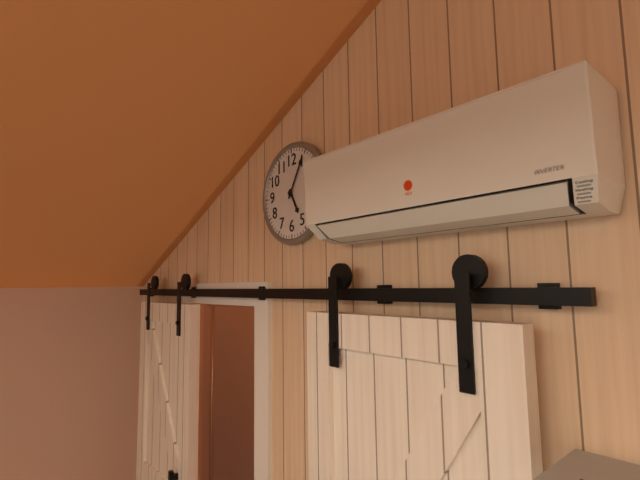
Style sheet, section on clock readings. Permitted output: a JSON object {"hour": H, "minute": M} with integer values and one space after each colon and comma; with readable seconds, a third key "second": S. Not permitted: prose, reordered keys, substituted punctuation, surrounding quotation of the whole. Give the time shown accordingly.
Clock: {"hour": 5, "minute": 5}
